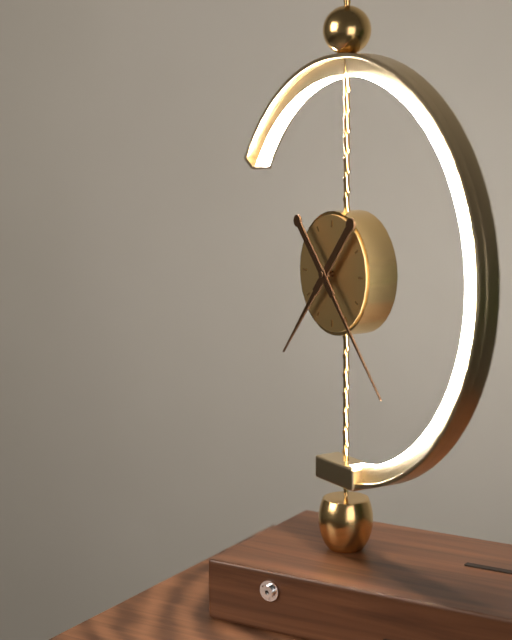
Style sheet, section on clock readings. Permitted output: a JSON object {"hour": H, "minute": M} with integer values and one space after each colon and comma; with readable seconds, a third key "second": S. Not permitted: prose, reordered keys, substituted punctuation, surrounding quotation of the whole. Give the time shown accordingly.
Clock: {"hour": 7, "minute": 23}
